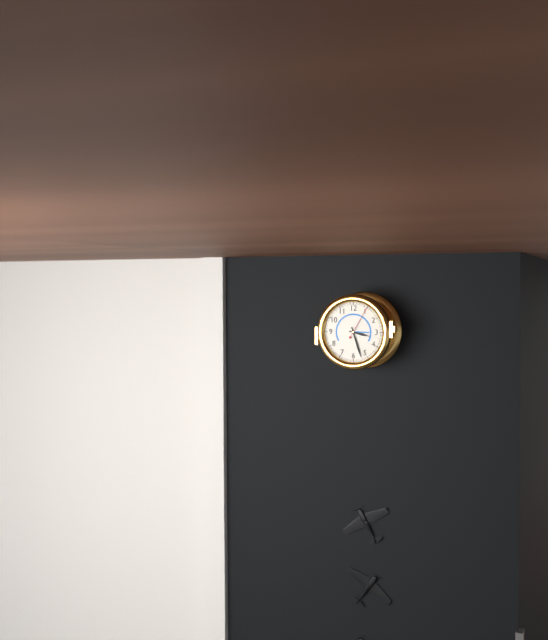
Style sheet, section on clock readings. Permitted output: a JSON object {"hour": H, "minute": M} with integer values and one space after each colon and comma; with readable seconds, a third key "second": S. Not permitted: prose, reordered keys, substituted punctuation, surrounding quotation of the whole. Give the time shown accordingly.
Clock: {"hour": 3, "minute": 27}
